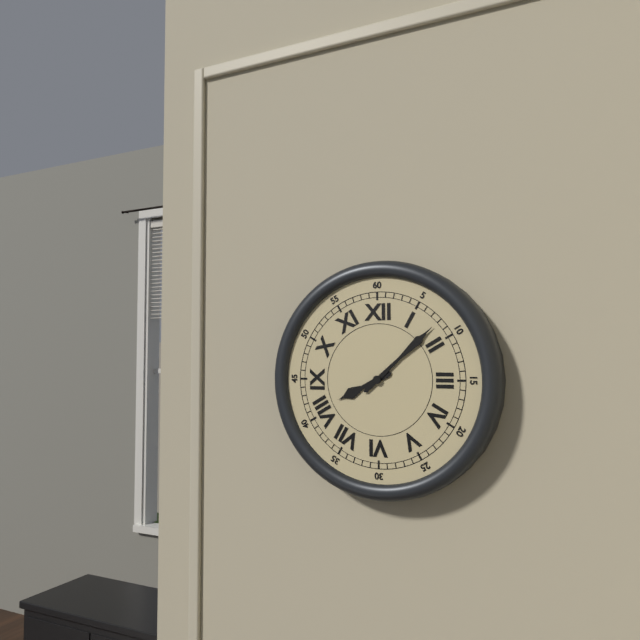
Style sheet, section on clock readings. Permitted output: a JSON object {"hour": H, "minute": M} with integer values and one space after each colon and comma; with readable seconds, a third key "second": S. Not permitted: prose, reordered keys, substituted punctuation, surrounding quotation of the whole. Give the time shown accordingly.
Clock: {"hour": 8, "minute": 8}
